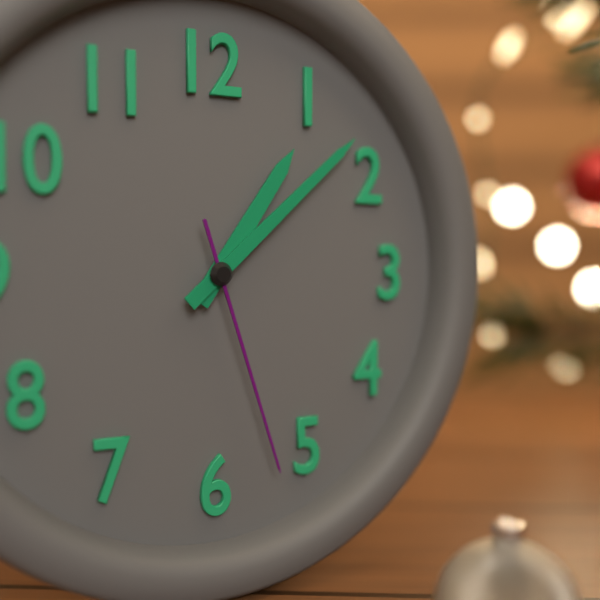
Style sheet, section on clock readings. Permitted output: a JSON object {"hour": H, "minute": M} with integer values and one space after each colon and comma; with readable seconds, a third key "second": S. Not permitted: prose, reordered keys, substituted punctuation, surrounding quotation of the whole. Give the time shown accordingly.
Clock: {"hour": 1, "minute": 8, "second": 27}
